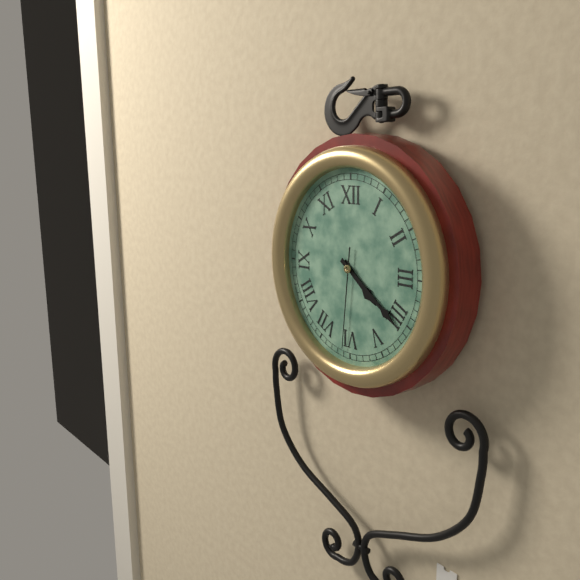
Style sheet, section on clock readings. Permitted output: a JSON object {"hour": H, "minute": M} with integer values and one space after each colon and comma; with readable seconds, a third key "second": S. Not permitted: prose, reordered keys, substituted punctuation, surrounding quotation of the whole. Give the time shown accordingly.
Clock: {"hour": 4, "minute": 21, "second": 31}
